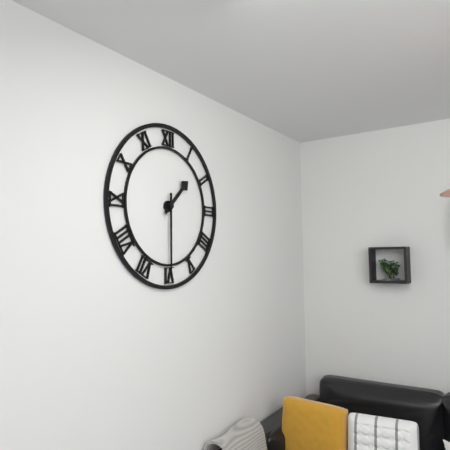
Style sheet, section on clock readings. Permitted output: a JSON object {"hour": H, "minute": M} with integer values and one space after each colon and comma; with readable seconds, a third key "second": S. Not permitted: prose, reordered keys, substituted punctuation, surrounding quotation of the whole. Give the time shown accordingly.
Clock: {"hour": 1, "minute": 30}
